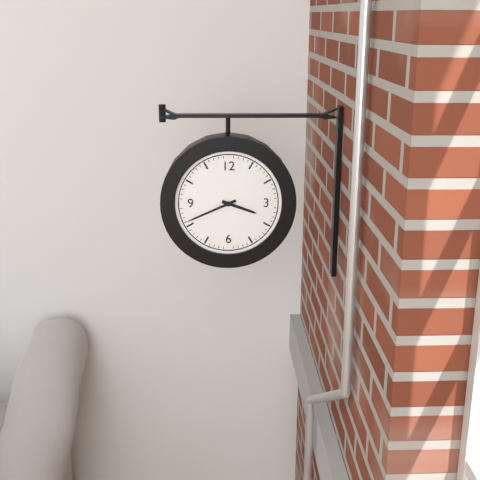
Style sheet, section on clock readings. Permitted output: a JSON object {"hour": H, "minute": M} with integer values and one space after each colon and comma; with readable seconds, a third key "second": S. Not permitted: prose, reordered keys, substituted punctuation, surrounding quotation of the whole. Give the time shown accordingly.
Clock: {"hour": 3, "minute": 41}
